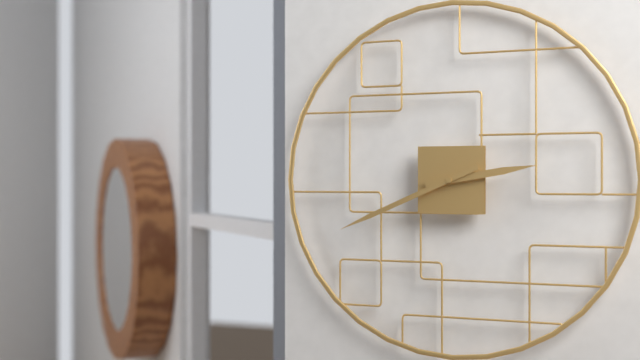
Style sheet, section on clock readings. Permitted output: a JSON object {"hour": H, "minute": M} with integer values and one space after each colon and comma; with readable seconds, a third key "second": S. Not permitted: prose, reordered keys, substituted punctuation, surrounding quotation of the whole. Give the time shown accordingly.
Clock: {"hour": 2, "minute": 41}
